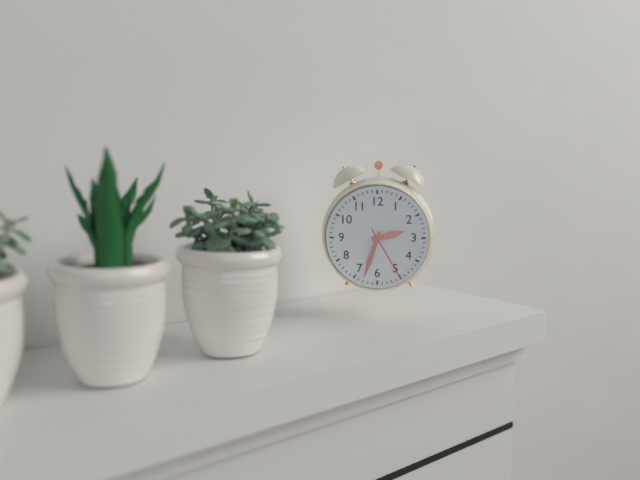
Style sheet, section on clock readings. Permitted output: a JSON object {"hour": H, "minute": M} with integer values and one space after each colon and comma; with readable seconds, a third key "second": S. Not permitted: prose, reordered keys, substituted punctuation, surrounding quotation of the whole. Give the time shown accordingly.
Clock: {"hour": 2, "minute": 33, "second": 25}
